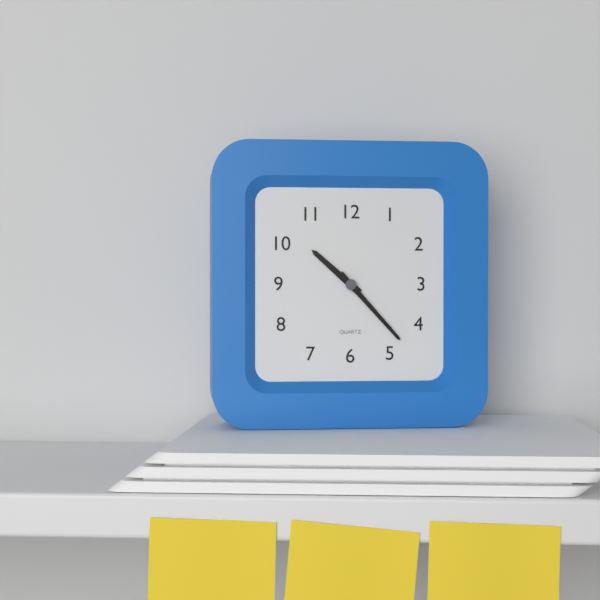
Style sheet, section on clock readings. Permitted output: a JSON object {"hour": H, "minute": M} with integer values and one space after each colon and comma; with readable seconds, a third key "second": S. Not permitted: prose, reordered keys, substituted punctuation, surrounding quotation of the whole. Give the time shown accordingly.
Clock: {"hour": 10, "minute": 23}
